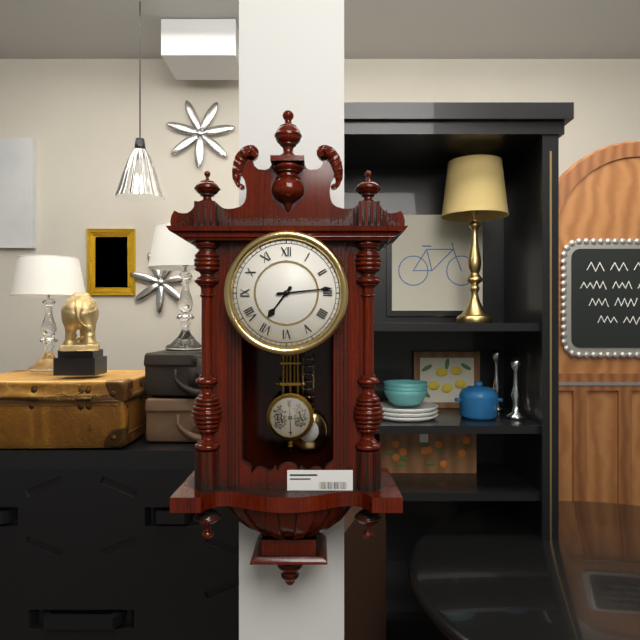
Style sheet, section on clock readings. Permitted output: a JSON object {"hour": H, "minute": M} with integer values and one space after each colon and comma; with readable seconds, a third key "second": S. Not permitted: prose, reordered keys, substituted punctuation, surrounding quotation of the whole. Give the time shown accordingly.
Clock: {"hour": 7, "minute": 14}
